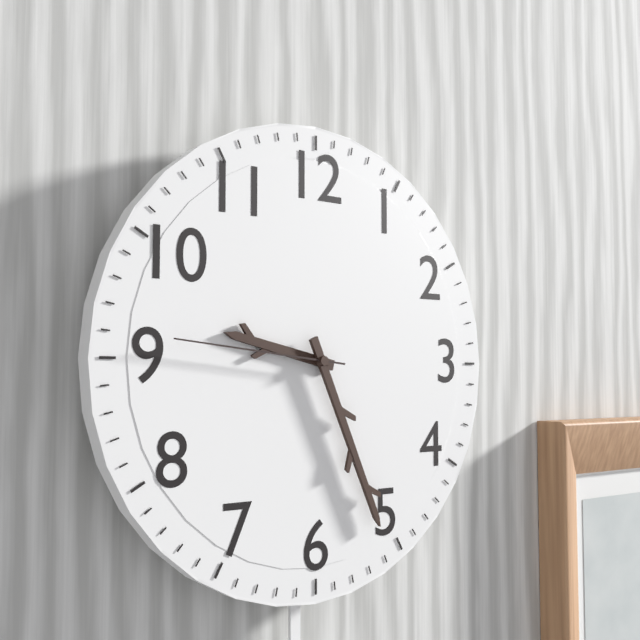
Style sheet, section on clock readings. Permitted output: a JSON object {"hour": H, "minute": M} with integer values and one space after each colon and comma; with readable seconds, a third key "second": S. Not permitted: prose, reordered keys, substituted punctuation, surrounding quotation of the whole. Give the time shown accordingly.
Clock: {"hour": 9, "minute": 26, "second": 46}
